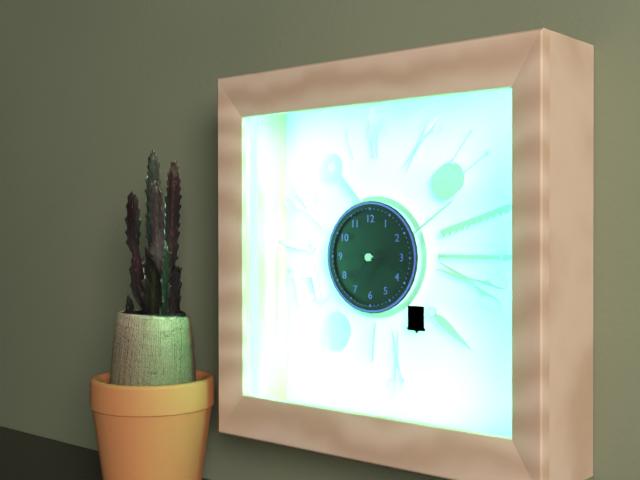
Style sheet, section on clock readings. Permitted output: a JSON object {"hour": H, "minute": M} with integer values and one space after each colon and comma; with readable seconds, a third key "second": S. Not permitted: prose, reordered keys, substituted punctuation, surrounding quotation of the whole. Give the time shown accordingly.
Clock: {"hour": 7, "minute": 18}
